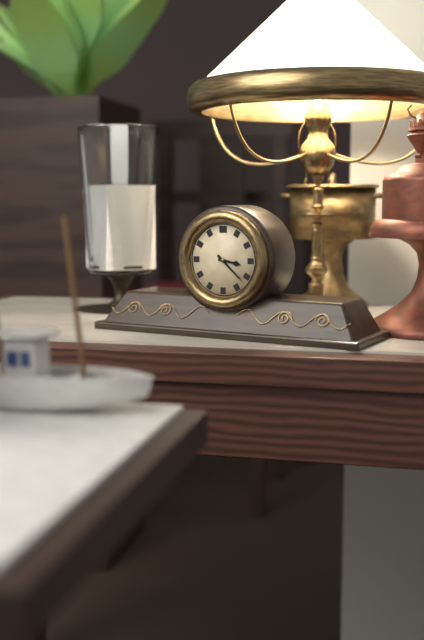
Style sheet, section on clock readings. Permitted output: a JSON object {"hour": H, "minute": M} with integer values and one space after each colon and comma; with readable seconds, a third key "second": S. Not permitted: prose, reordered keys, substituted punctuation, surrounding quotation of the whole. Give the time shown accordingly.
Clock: {"hour": 3, "minute": 22}
